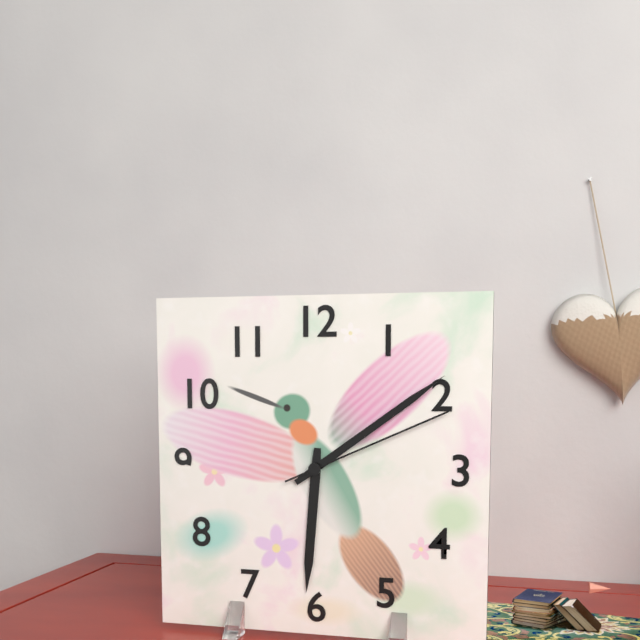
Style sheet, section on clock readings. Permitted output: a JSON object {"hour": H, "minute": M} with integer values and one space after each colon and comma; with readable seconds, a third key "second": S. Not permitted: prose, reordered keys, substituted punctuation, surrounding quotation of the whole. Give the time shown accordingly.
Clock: {"hour": 6, "minute": 9, "second": 11}
